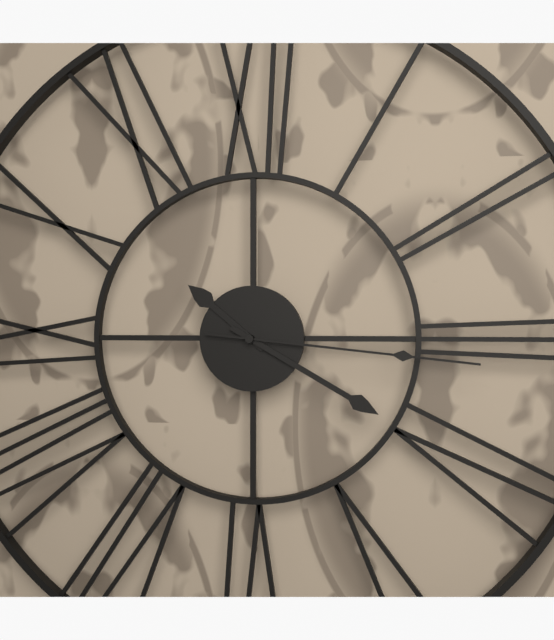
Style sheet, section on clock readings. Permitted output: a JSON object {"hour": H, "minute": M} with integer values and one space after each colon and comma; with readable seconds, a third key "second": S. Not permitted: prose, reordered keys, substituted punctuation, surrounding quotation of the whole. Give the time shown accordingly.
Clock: {"hour": 10, "minute": 20, "second": 16}
